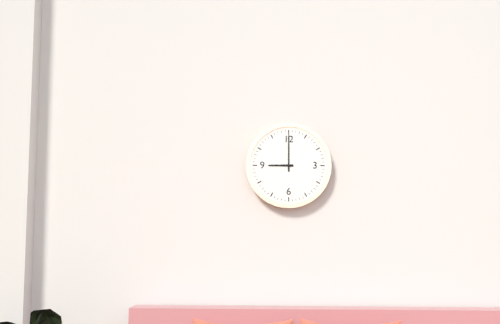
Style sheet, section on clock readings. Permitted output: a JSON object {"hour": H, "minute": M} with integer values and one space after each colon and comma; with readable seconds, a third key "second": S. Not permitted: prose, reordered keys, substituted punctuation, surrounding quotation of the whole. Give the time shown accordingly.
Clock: {"hour": 9, "minute": 0}
